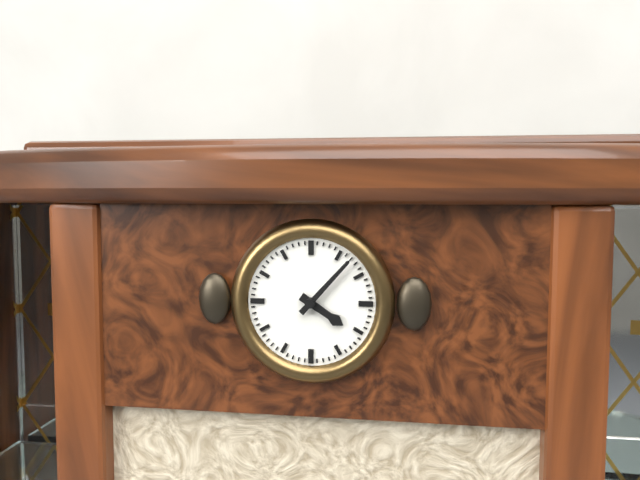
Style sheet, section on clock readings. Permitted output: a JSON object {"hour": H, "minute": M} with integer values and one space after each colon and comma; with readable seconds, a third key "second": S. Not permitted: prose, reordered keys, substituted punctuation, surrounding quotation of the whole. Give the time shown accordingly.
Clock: {"hour": 4, "minute": 7}
